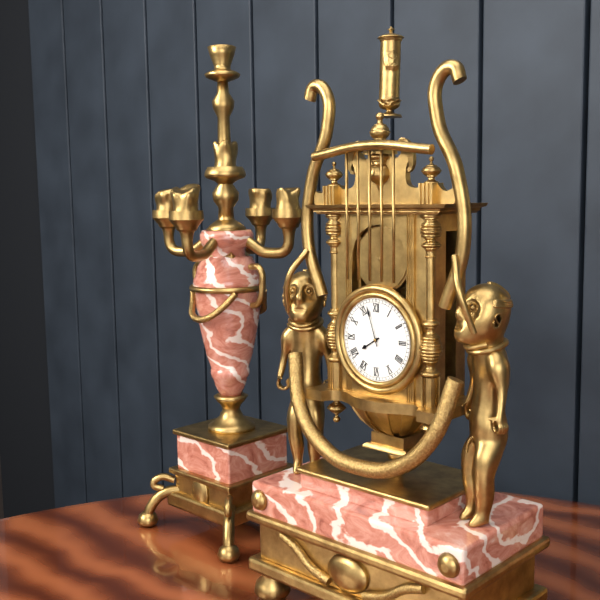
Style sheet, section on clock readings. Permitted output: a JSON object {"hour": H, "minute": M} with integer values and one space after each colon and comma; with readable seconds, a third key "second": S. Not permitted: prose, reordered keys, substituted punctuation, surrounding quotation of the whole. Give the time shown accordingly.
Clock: {"hour": 7, "minute": 57}
